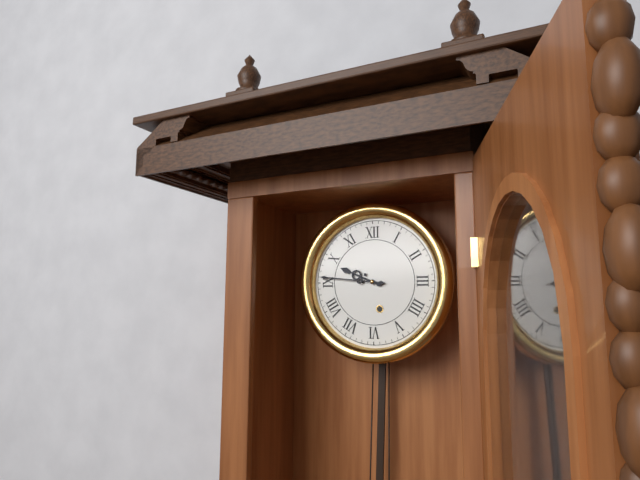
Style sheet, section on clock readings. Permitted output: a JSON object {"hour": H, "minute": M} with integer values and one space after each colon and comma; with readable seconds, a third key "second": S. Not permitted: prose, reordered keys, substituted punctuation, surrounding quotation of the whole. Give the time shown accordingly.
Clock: {"hour": 9, "minute": 46}
